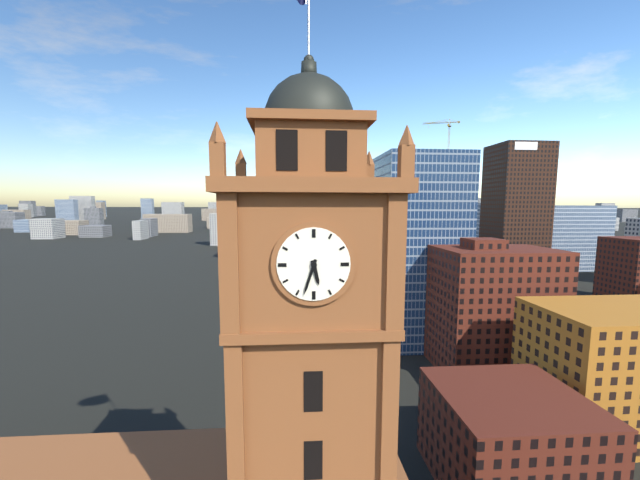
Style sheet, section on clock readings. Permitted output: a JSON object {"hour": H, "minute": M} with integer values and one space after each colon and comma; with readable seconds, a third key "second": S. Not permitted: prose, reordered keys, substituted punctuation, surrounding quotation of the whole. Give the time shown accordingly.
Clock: {"hour": 5, "minute": 33}
